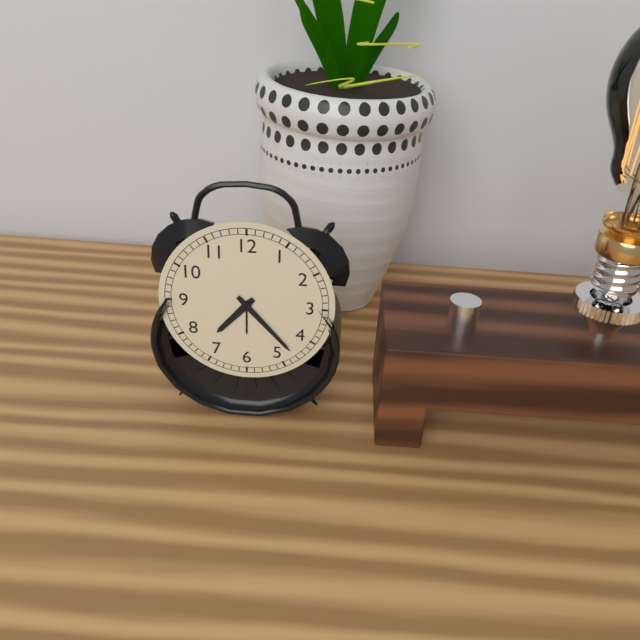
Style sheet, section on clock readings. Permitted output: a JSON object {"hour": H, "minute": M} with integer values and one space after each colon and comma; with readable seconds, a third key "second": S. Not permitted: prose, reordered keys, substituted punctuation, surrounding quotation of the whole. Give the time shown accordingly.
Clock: {"hour": 7, "minute": 23}
